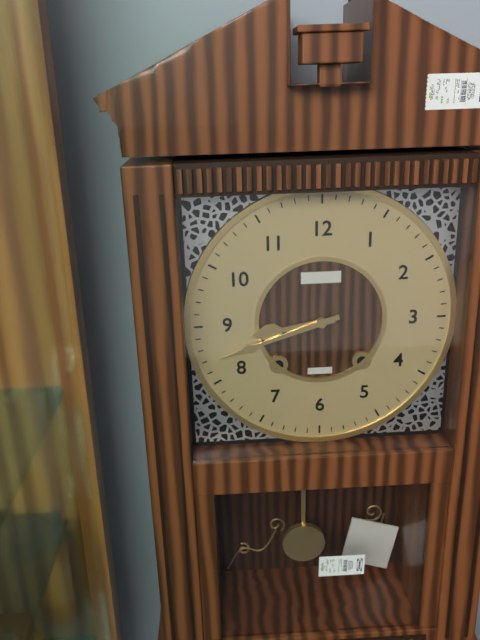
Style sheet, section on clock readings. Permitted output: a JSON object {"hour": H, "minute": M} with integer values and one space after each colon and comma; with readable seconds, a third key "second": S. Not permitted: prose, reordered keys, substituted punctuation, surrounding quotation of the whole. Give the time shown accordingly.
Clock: {"hour": 8, "minute": 42}
